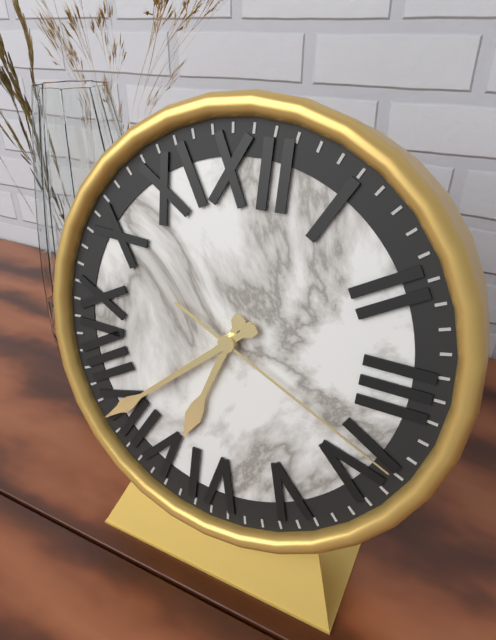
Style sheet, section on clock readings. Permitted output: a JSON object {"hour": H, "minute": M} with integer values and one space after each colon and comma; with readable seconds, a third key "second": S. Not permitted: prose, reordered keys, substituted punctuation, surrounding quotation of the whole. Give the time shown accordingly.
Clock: {"hour": 6, "minute": 38, "second": 19}
